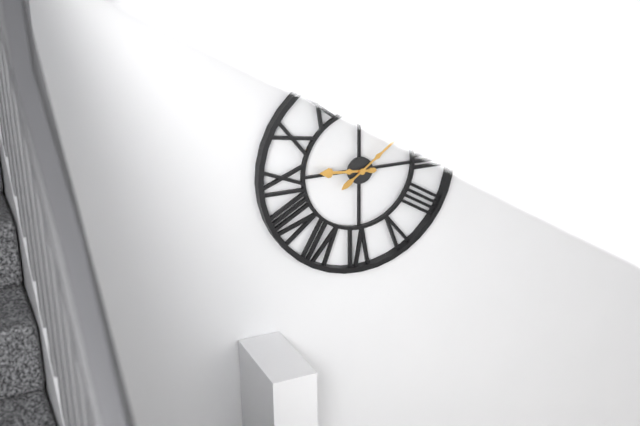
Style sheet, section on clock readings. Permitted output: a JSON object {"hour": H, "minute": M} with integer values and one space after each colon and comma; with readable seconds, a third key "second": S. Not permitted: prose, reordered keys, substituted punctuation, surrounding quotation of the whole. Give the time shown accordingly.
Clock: {"hour": 9, "minute": 9}
